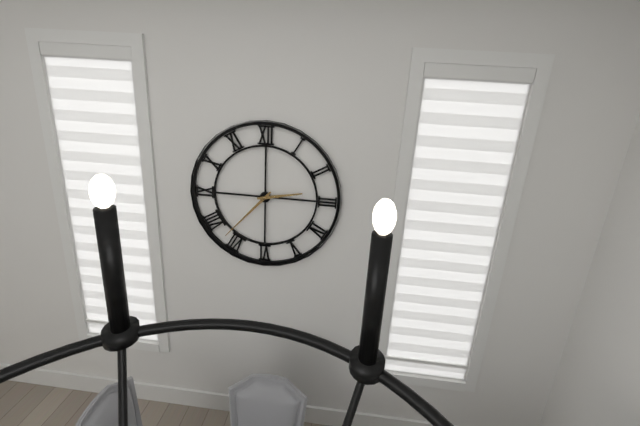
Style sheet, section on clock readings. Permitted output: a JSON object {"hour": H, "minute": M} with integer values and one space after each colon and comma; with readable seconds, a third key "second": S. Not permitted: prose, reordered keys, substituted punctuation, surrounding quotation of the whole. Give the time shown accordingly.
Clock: {"hour": 2, "minute": 37}
